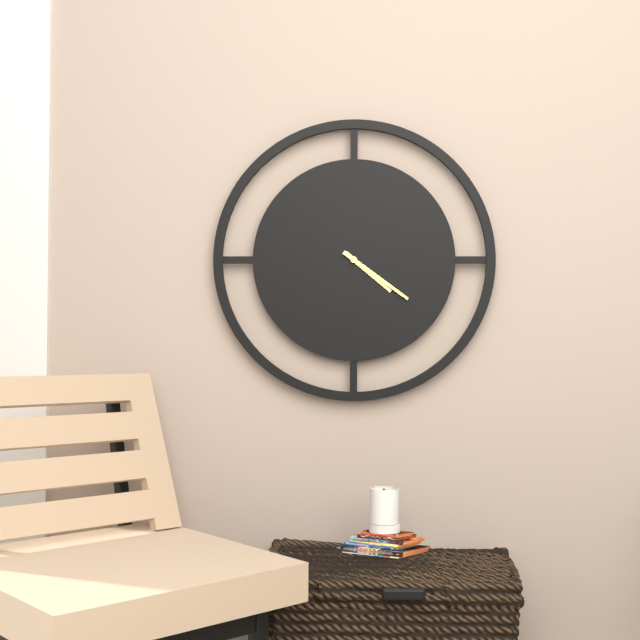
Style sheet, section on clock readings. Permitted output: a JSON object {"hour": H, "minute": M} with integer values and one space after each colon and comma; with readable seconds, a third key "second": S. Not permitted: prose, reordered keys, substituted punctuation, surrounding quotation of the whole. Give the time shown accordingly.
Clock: {"hour": 4, "minute": 21}
